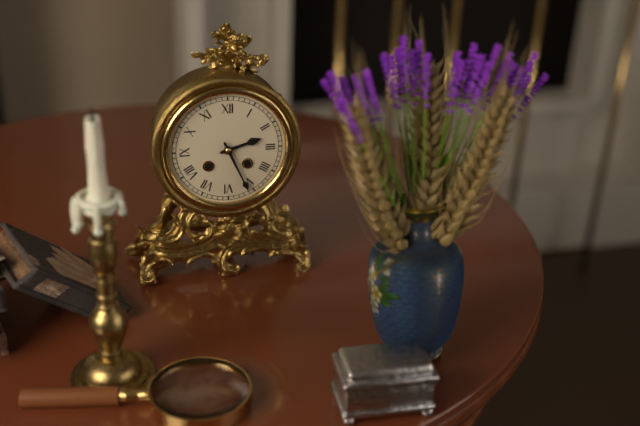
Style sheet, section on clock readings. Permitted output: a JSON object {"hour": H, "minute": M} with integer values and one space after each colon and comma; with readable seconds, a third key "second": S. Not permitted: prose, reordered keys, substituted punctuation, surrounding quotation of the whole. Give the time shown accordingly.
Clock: {"hour": 2, "minute": 26}
